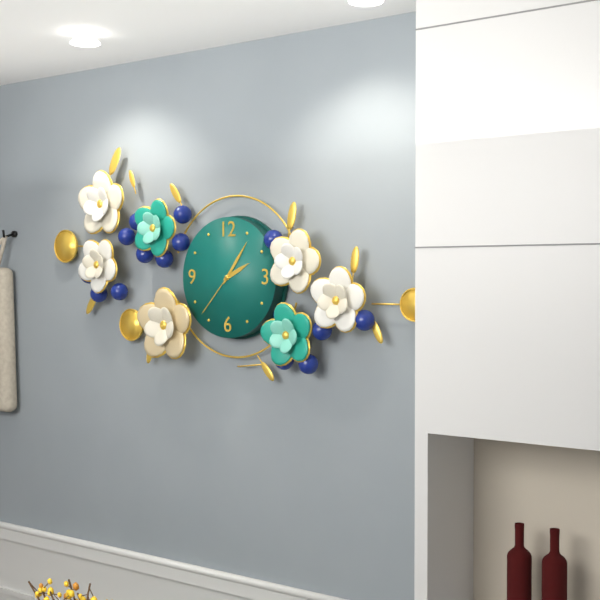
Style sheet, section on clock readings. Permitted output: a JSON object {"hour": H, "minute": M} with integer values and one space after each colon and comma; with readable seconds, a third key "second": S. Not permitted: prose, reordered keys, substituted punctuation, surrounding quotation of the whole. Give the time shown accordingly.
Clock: {"hour": 2, "minute": 6, "second": 37}
